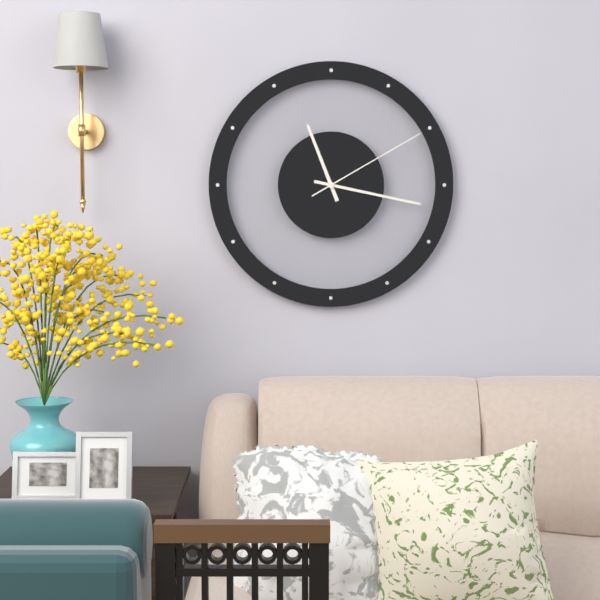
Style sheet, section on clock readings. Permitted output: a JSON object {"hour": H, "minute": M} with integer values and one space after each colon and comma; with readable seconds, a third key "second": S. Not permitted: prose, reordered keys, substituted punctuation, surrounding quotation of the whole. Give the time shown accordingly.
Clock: {"hour": 11, "minute": 17, "second": 10}
